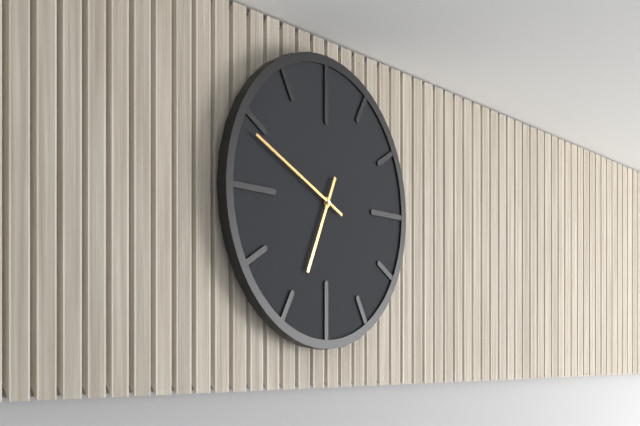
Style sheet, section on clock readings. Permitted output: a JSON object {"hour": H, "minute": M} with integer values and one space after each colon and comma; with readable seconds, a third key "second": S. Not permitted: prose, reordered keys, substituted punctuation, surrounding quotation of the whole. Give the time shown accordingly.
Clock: {"hour": 6, "minute": 49}
